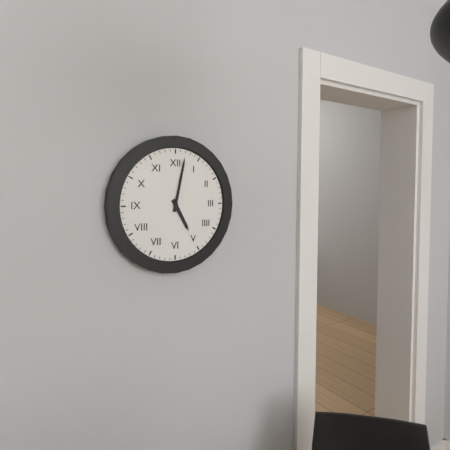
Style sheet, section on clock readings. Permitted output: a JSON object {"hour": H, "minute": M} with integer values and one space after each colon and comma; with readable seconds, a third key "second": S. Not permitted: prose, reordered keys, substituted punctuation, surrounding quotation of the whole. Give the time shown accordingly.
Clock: {"hour": 5, "minute": 2}
